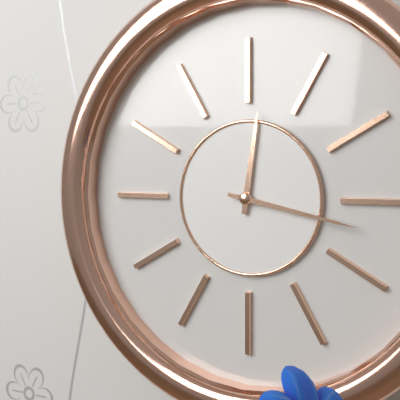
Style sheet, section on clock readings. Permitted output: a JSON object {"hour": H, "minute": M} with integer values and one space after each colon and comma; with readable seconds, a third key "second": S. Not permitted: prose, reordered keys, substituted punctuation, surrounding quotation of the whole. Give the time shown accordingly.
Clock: {"hour": 12, "minute": 17}
